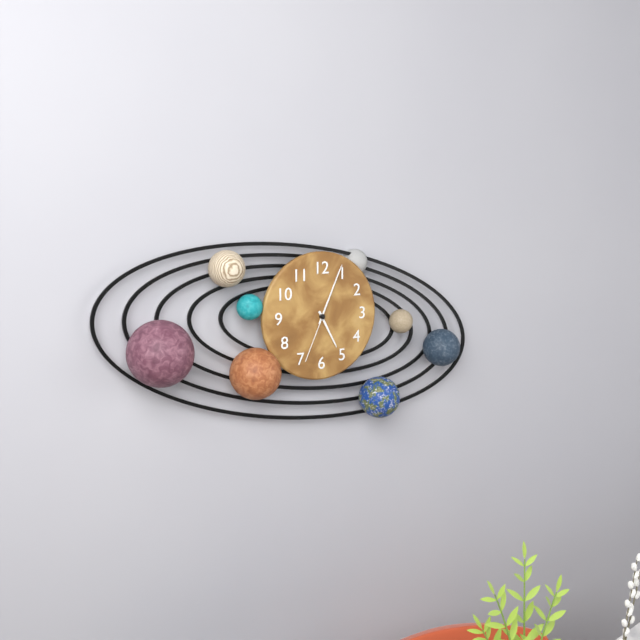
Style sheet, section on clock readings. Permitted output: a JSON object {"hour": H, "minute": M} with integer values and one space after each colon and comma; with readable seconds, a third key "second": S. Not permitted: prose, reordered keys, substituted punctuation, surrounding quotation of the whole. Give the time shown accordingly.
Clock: {"hour": 5, "minute": 4, "second": 4}
